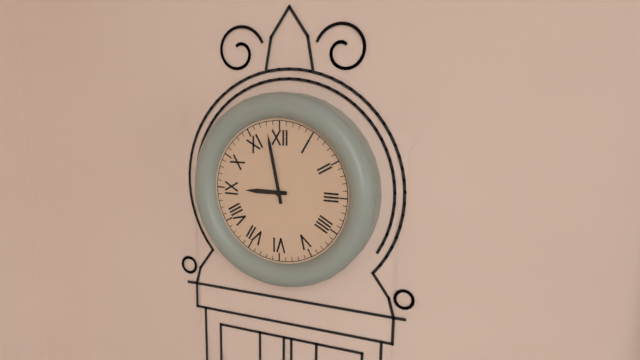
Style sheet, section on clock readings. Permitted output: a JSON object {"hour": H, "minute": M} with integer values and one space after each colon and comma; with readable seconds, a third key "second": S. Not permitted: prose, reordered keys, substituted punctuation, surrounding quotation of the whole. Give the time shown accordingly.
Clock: {"hour": 8, "minute": 58}
